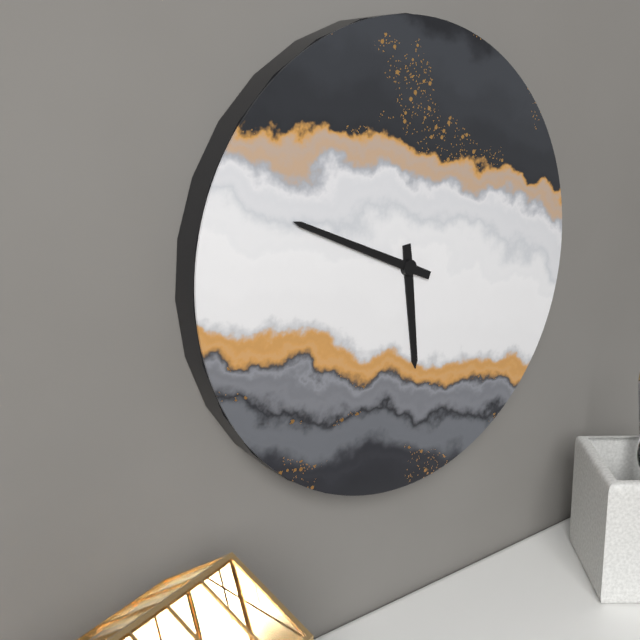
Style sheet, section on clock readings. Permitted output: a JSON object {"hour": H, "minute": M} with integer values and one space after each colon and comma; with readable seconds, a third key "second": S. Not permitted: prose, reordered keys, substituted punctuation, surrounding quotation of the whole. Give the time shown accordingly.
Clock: {"hour": 5, "minute": 49}
